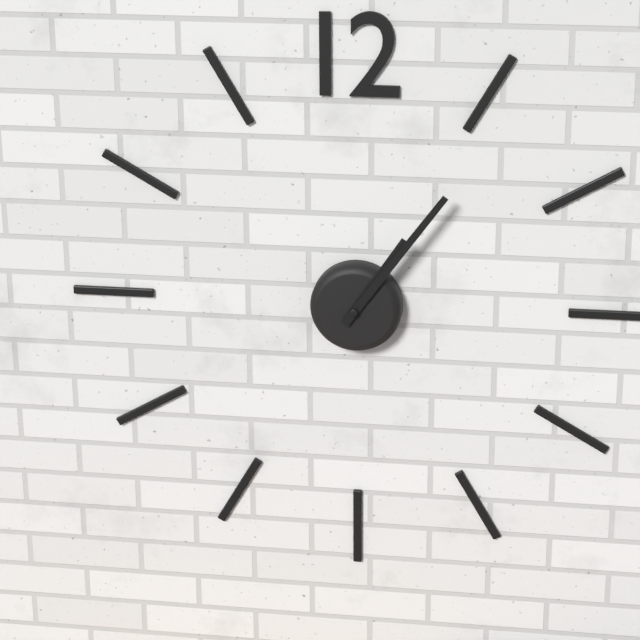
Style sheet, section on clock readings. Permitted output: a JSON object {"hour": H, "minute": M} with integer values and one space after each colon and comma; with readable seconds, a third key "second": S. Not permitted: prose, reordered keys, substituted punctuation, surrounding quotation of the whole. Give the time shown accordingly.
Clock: {"hour": 1, "minute": 6}
